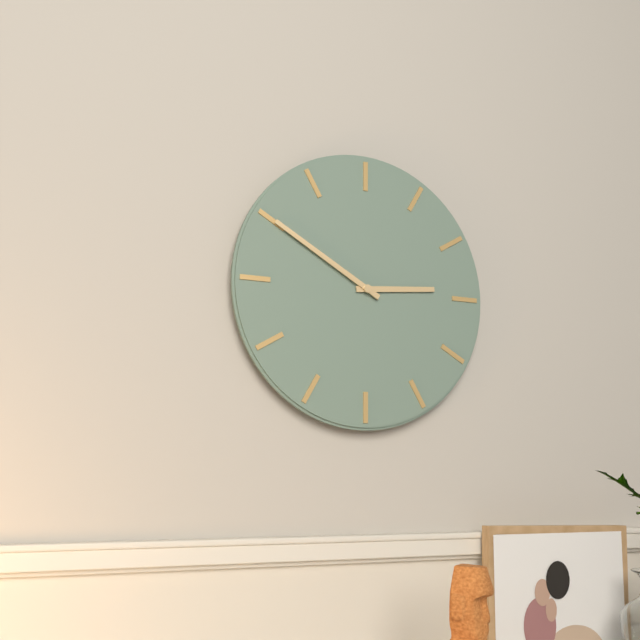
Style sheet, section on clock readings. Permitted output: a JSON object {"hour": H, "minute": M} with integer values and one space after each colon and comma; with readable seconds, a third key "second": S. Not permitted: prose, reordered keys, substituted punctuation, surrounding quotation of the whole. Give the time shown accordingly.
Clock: {"hour": 2, "minute": 50}
